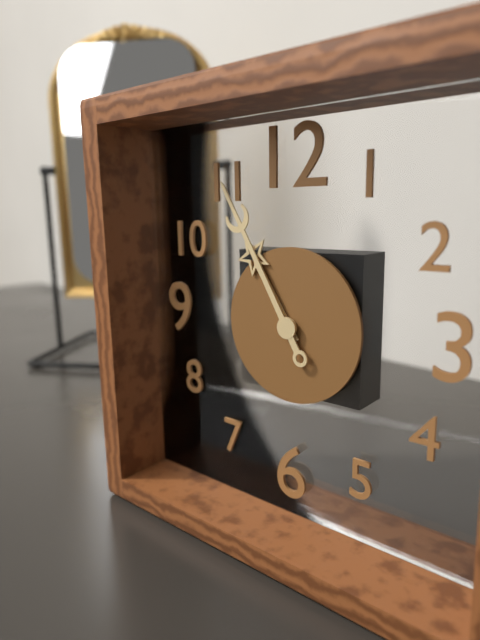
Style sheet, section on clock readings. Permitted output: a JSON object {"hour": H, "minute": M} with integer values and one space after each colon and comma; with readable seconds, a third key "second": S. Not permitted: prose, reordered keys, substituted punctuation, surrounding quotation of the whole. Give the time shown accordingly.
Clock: {"hour": 10, "minute": 55}
